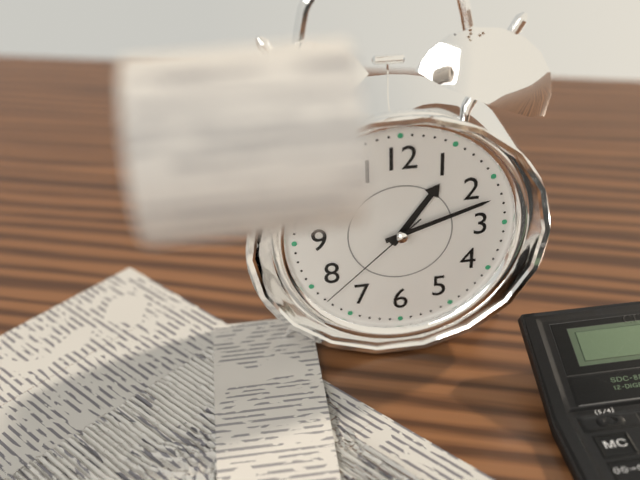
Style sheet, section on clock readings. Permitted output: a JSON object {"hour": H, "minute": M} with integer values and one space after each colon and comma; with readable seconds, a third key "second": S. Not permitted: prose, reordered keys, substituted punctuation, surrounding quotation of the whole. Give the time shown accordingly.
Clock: {"hour": 1, "minute": 12, "second": 38}
